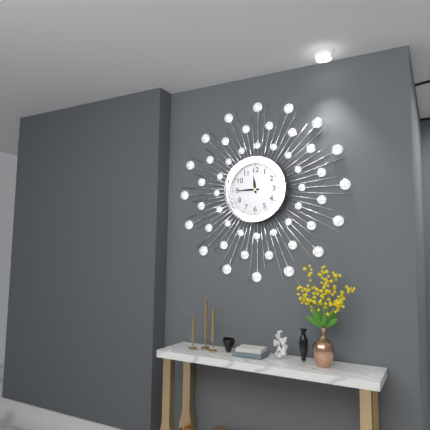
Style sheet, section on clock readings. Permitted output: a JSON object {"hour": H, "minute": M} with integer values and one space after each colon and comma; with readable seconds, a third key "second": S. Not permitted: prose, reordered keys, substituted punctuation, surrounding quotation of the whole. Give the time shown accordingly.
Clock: {"hour": 11, "minute": 45}
